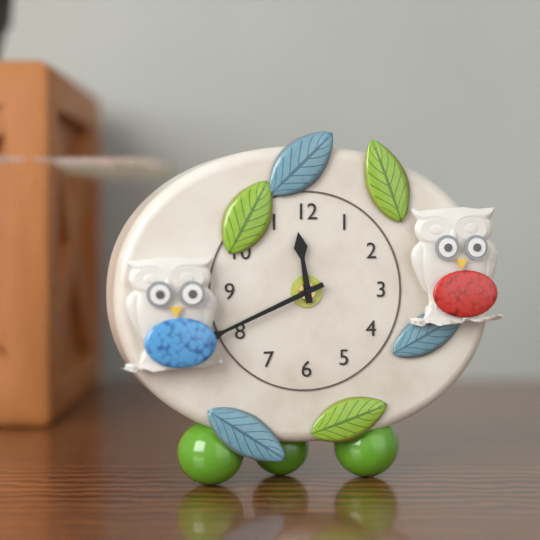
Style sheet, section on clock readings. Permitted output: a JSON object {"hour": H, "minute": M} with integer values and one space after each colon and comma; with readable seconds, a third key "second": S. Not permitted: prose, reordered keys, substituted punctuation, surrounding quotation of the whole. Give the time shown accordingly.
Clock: {"hour": 11, "minute": 41}
